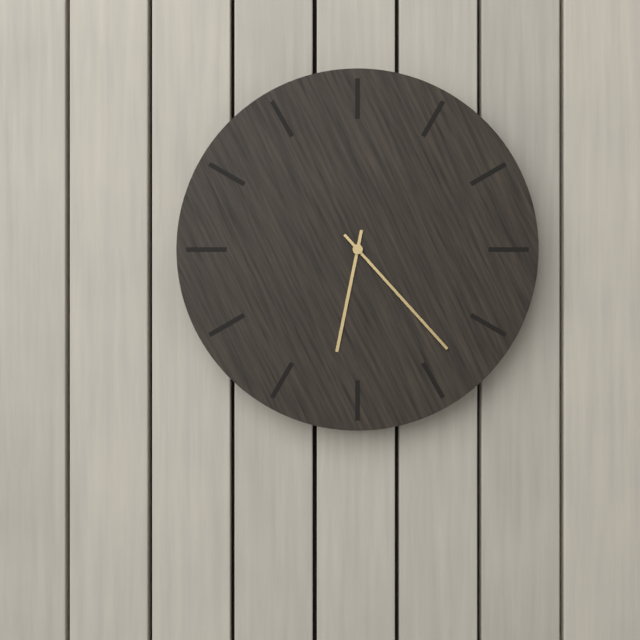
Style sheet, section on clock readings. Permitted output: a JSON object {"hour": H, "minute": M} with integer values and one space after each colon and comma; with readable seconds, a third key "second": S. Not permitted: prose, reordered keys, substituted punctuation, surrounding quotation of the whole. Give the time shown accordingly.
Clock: {"hour": 6, "minute": 23}
